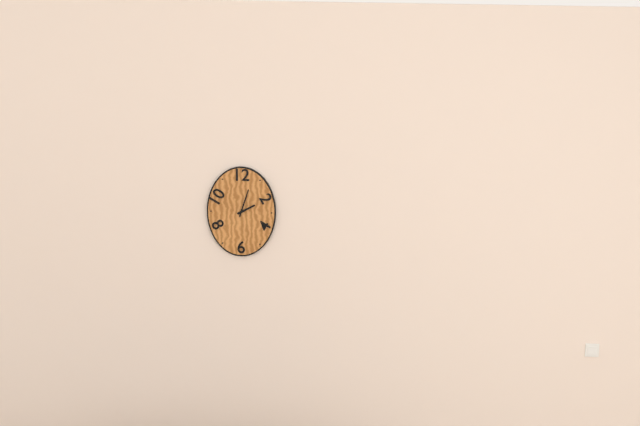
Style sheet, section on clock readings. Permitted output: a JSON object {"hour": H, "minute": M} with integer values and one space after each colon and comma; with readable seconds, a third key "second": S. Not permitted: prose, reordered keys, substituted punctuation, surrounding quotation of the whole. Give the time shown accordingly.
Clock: {"hour": 2, "minute": 3}
